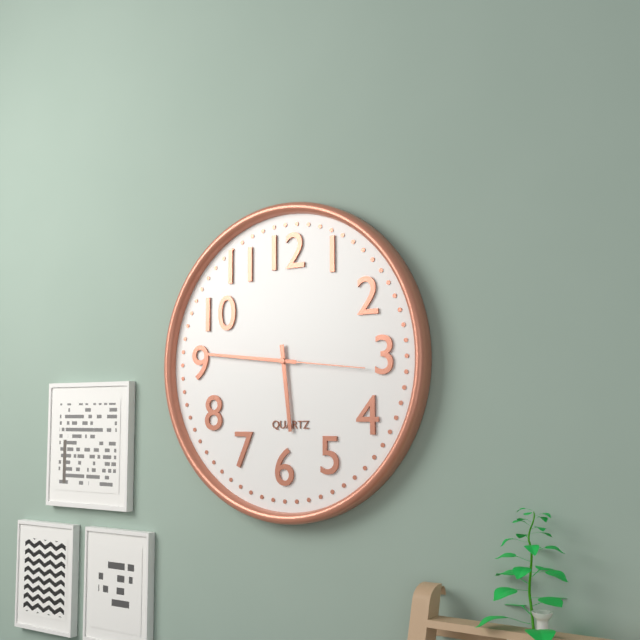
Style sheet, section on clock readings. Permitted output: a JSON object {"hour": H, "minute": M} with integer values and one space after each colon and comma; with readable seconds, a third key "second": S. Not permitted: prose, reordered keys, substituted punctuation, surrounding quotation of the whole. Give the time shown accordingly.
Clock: {"hour": 5, "minute": 46, "second": 16}
